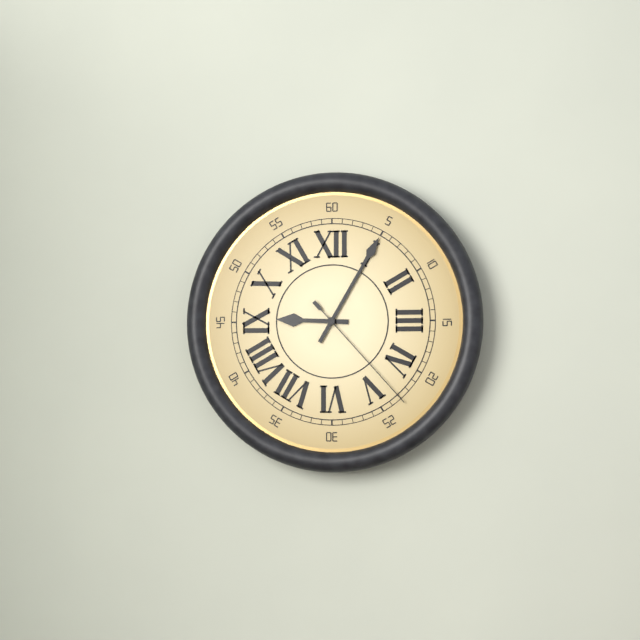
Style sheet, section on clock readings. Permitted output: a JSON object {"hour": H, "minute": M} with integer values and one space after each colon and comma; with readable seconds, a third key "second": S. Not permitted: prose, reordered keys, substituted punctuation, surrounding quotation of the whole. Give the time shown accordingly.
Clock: {"hour": 9, "minute": 5, "second": 23}
